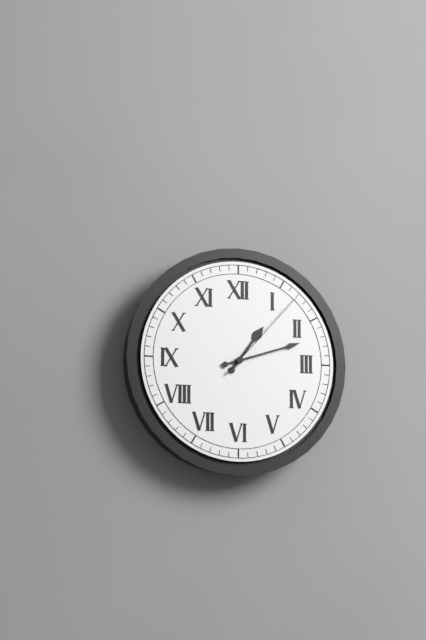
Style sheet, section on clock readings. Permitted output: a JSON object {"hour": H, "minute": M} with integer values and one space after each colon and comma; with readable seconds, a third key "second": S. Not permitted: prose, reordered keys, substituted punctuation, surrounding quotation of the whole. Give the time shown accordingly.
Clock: {"hour": 1, "minute": 12, "second": 7}
